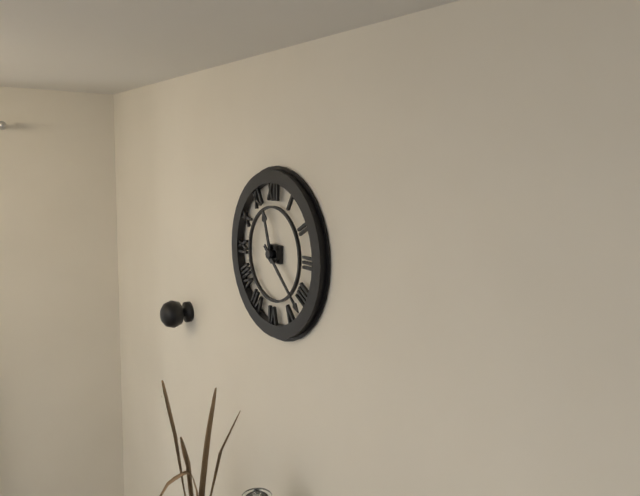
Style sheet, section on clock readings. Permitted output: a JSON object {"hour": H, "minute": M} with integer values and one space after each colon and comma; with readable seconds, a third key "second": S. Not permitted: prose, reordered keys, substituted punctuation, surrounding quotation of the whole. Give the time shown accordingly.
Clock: {"hour": 11, "minute": 22}
